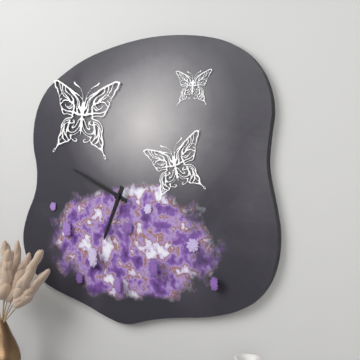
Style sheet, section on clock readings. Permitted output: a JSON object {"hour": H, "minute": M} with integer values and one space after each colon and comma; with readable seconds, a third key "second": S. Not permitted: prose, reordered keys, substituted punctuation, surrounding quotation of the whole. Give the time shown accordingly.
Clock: {"hour": 6, "minute": 49}
